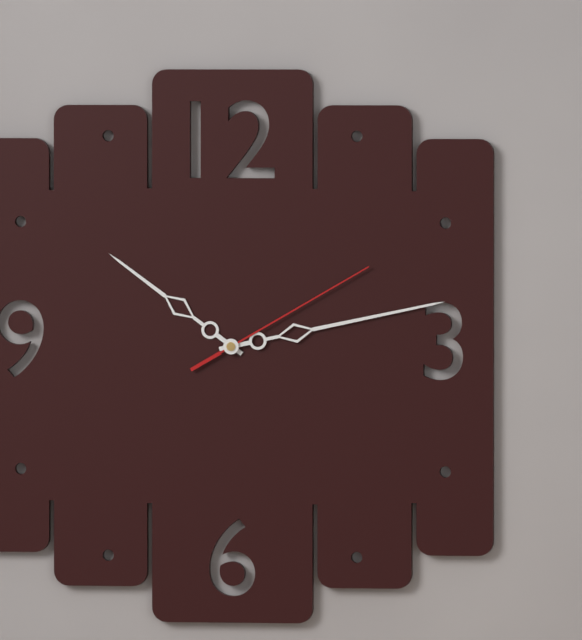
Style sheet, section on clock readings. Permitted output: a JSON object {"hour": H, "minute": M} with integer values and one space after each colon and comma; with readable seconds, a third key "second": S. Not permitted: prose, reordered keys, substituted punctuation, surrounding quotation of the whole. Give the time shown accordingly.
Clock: {"hour": 10, "minute": 13, "second": 10}
